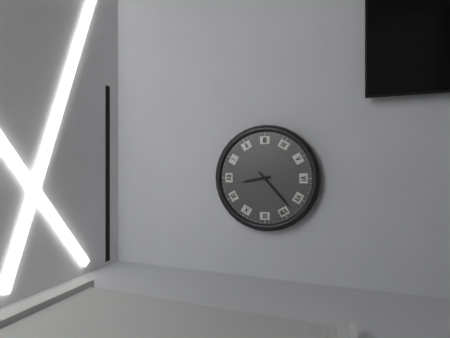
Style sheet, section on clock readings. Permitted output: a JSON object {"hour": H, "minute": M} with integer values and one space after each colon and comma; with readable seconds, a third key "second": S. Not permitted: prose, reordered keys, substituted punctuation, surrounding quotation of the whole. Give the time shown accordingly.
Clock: {"hour": 11, "minute": 38}
